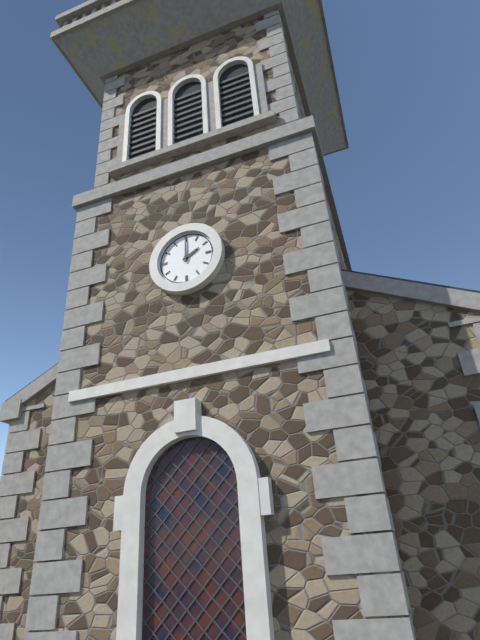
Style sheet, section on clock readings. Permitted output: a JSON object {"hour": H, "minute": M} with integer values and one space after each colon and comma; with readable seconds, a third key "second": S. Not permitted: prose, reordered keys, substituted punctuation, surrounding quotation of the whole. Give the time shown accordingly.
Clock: {"hour": 2, "minute": 0}
